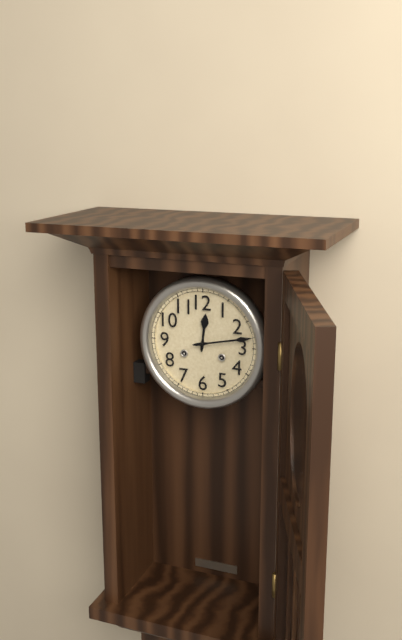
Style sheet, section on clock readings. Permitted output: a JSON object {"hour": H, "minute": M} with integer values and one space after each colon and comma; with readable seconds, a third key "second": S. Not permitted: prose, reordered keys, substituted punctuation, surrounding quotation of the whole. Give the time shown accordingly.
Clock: {"hour": 12, "minute": 13}
